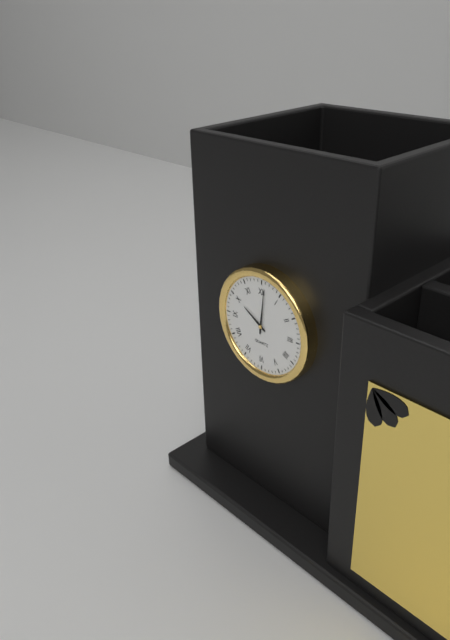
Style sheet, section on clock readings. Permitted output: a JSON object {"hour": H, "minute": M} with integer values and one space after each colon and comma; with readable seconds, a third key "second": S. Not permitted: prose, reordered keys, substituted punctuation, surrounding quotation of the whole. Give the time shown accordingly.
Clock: {"hour": 10, "minute": 1}
